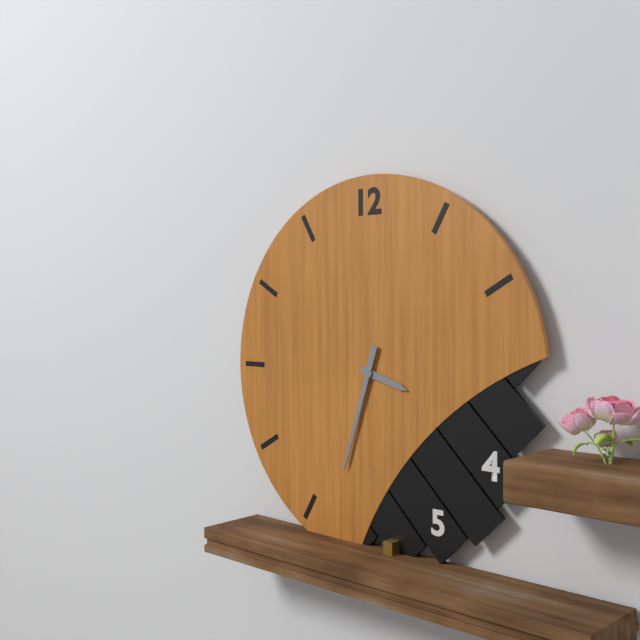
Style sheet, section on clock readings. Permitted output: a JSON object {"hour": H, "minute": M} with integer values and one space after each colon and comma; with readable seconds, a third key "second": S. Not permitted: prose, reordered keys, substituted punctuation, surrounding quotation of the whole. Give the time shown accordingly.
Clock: {"hour": 3, "minute": 33}
